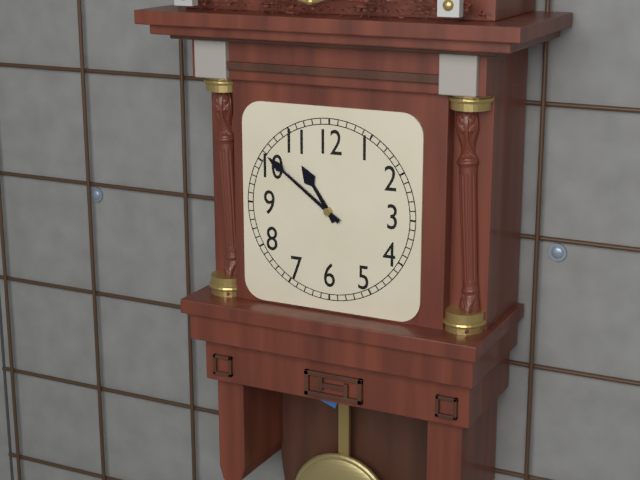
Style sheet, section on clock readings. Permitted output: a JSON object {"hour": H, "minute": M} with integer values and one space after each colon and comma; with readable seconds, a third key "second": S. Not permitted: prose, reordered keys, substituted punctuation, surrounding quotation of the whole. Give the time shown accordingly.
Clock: {"hour": 10, "minute": 51}
